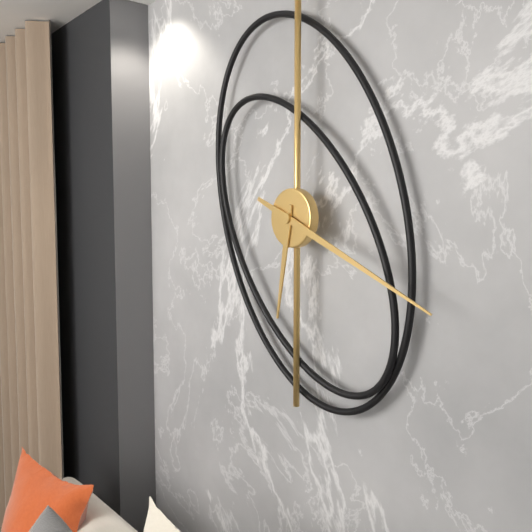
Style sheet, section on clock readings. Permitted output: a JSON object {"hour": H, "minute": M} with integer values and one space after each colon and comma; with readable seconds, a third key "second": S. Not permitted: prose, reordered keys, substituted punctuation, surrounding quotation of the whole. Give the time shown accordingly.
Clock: {"hour": 6, "minute": 19}
